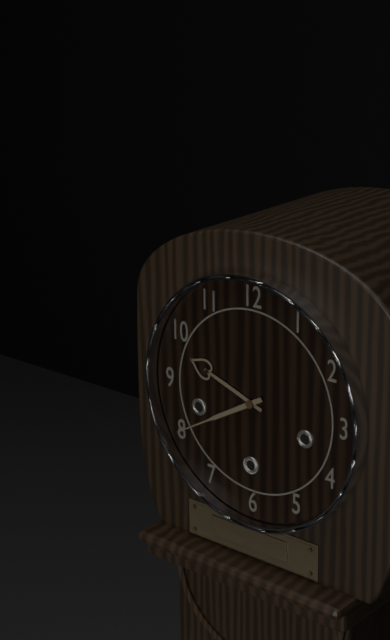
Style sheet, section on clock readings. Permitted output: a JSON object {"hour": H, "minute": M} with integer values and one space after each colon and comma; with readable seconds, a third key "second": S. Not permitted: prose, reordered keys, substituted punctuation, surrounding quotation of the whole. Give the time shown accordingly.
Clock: {"hour": 9, "minute": 40}
